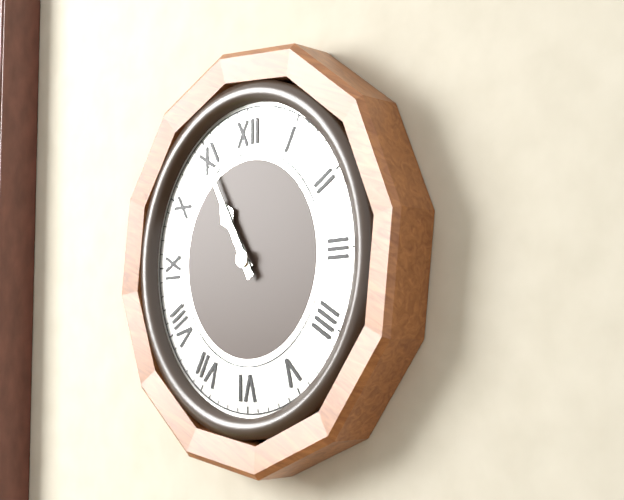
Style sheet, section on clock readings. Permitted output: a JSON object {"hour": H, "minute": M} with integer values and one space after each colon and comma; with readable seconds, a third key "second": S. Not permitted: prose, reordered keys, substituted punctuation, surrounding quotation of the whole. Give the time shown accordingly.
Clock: {"hour": 10, "minute": 55}
